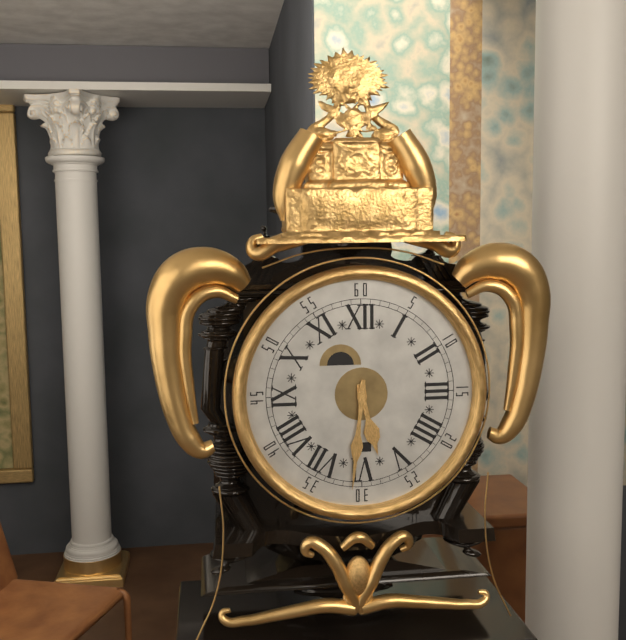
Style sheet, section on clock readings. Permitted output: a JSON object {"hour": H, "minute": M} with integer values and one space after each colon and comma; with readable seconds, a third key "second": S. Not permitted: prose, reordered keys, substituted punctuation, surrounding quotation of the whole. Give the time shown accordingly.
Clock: {"hour": 5, "minute": 31}
